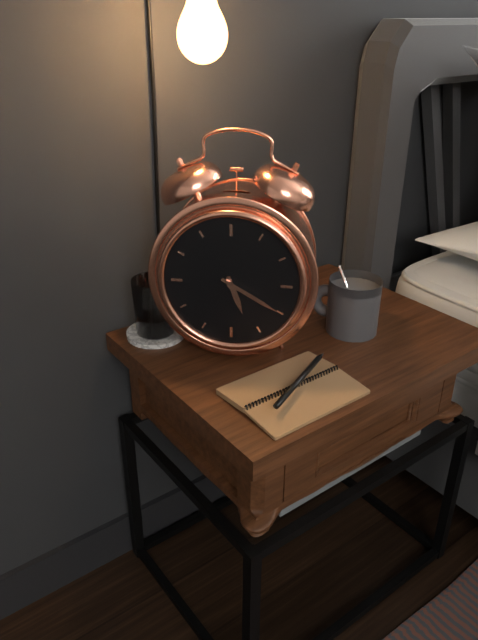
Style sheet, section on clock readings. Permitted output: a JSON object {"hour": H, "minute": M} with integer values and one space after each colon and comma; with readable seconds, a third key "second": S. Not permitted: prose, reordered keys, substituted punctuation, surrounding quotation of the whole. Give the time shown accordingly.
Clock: {"hour": 5, "minute": 20}
